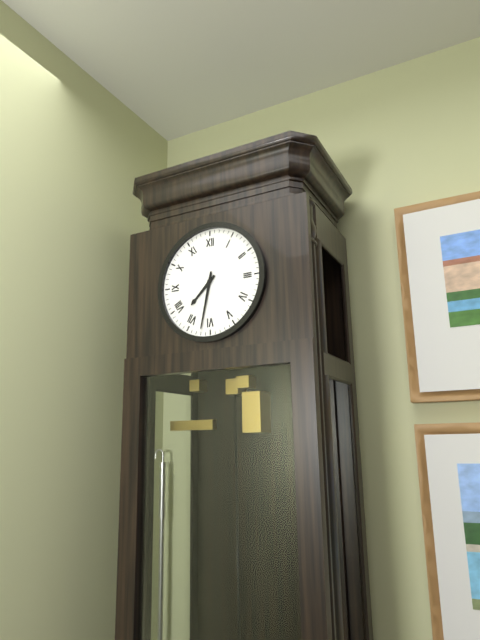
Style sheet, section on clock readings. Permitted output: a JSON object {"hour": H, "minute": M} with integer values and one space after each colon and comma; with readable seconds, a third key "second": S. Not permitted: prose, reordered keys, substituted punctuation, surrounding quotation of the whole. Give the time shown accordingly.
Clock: {"hour": 7, "minute": 32}
